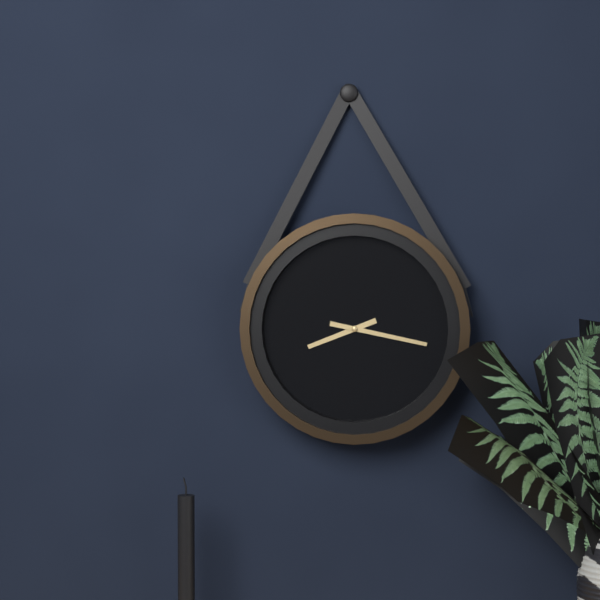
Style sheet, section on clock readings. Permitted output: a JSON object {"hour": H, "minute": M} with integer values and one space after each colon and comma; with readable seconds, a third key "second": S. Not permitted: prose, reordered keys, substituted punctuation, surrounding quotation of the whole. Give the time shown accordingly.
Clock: {"hour": 8, "minute": 17}
